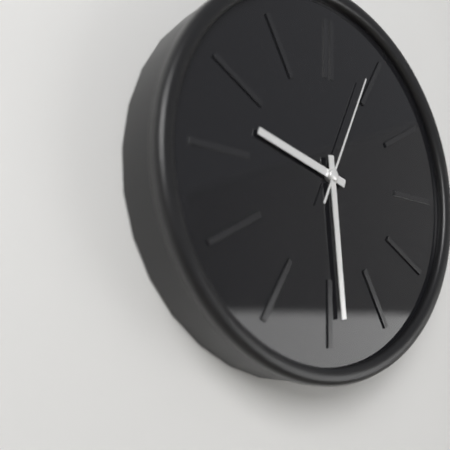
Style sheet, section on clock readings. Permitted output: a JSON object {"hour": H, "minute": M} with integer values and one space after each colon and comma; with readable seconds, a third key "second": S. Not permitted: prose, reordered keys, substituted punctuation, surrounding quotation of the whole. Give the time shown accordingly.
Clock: {"hour": 9, "minute": 29, "second": 4}
